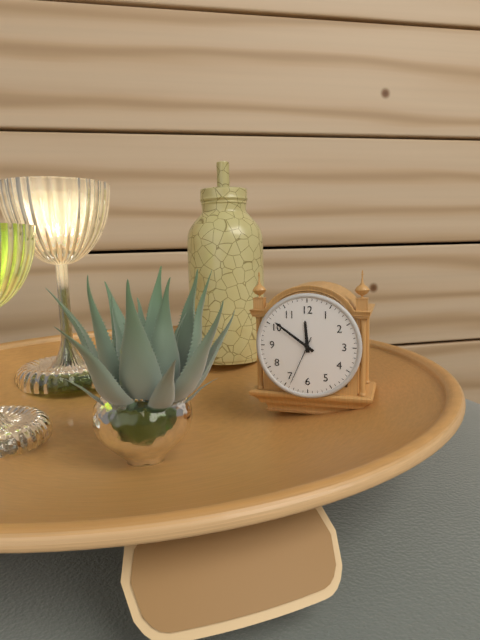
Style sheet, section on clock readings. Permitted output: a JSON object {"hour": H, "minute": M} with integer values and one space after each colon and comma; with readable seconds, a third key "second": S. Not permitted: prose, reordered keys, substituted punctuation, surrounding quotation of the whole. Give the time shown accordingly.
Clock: {"hour": 11, "minute": 51, "second": 34}
